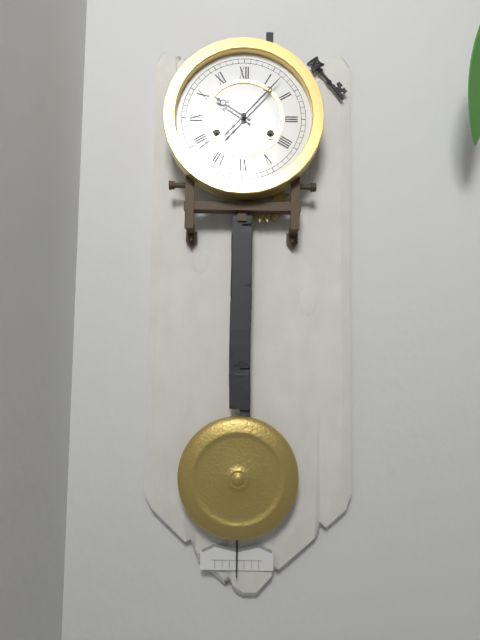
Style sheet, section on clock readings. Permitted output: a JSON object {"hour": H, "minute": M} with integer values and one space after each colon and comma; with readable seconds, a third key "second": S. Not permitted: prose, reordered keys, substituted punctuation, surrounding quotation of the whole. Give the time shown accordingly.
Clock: {"hour": 10, "minute": 7}
